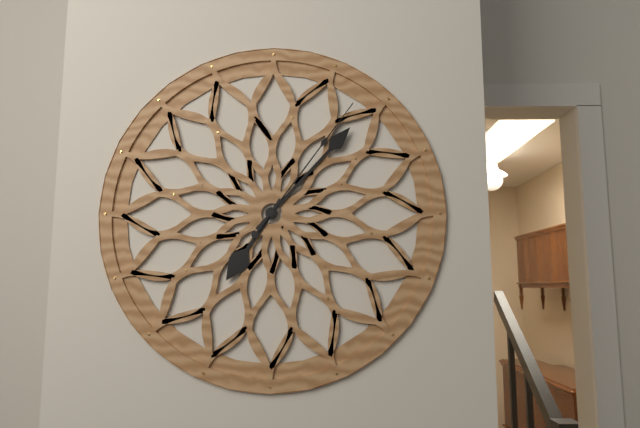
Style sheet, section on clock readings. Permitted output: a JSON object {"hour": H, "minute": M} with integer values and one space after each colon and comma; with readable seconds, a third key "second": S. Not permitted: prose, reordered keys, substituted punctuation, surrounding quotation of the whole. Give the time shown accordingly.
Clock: {"hour": 7, "minute": 7, "second": 6}
